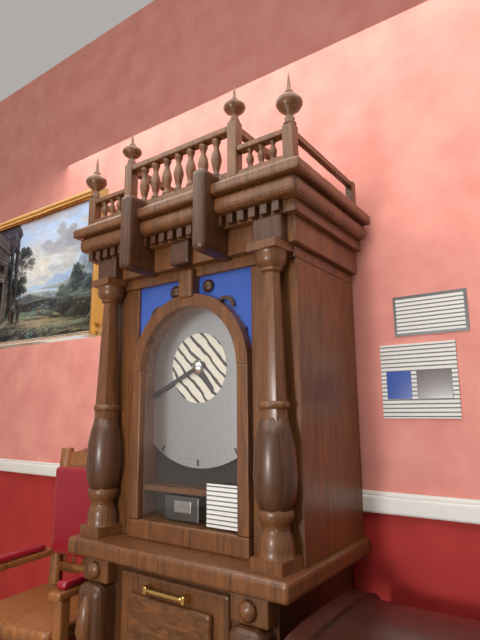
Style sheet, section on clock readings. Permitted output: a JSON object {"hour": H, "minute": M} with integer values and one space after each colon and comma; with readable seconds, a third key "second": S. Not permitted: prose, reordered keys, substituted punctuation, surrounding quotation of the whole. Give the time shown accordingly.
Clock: {"hour": 4, "minute": 41}
